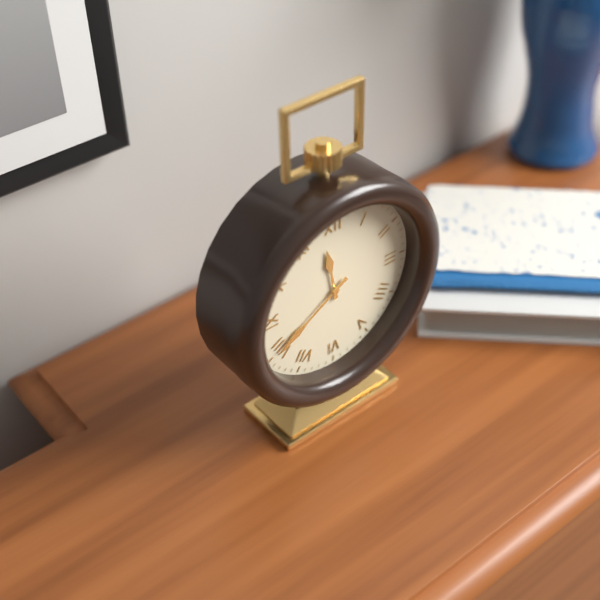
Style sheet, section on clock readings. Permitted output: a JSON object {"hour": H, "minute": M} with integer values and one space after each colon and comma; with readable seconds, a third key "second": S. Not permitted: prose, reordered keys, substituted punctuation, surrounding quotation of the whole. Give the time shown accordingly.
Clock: {"hour": 11, "minute": 40}
